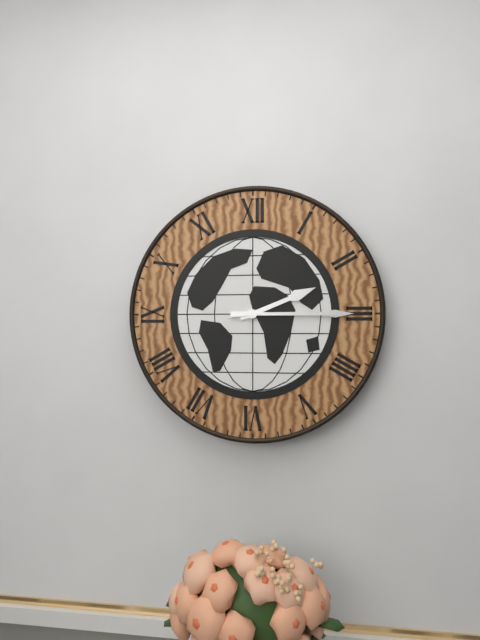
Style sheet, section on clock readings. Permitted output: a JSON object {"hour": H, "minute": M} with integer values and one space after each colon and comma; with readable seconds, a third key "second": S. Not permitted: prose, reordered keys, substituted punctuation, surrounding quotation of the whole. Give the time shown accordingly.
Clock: {"hour": 2, "minute": 15}
